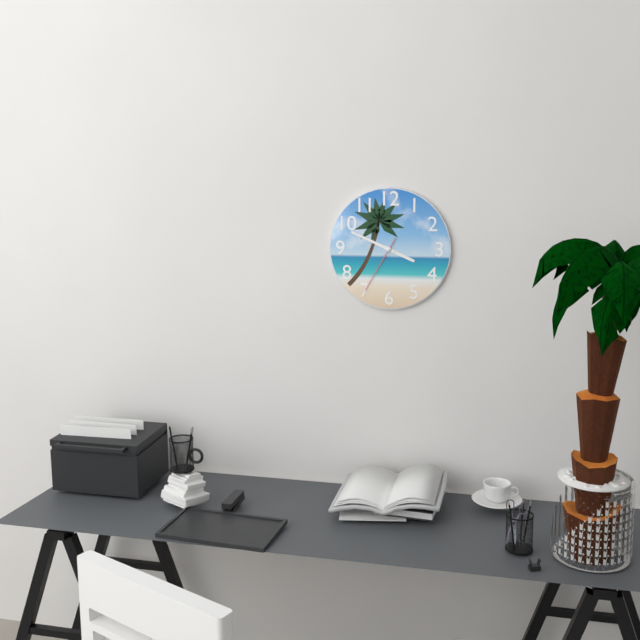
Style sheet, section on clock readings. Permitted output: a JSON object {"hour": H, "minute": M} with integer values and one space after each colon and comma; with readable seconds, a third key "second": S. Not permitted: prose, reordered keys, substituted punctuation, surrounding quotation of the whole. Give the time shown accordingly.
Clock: {"hour": 3, "minute": 49, "second": 35}
